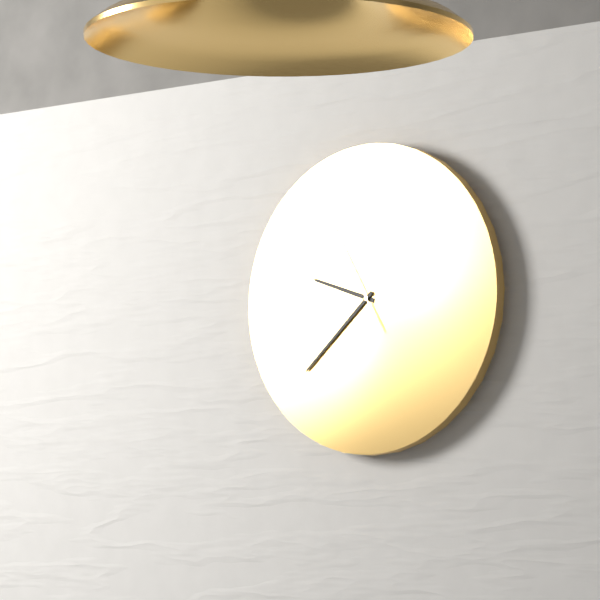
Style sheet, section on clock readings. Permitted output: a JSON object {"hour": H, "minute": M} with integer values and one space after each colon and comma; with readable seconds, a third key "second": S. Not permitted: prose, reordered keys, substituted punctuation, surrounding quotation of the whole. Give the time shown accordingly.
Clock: {"hour": 9, "minute": 38, "second": 55}
